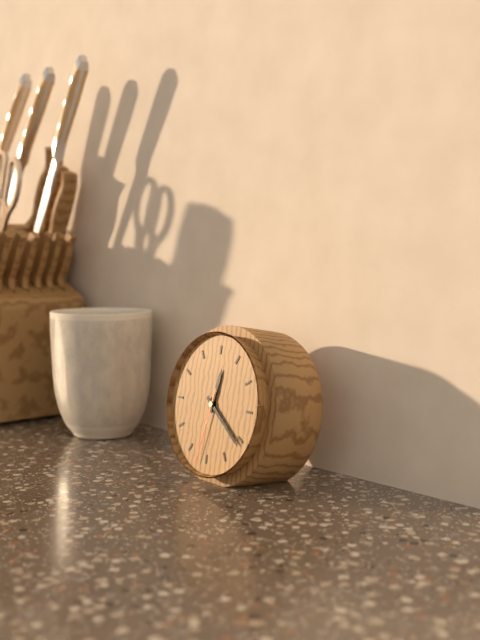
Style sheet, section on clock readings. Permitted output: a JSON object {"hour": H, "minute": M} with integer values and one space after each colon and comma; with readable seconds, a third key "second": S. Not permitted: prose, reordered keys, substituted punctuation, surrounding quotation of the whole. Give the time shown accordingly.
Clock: {"hour": 12, "minute": 21, "second": 32}
